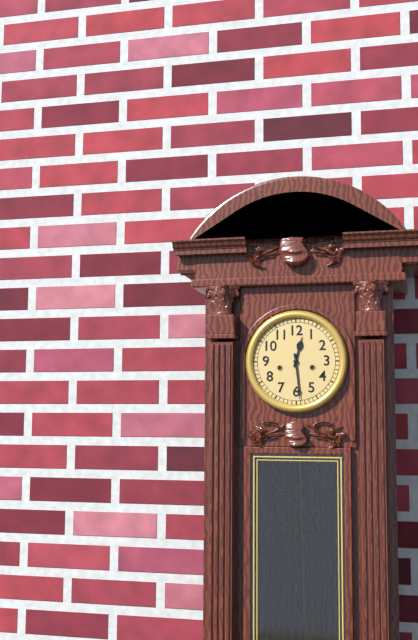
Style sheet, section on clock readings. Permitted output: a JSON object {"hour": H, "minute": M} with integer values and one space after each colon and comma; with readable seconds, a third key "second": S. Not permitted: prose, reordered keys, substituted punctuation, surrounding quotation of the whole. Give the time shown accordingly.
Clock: {"hour": 12, "minute": 29}
